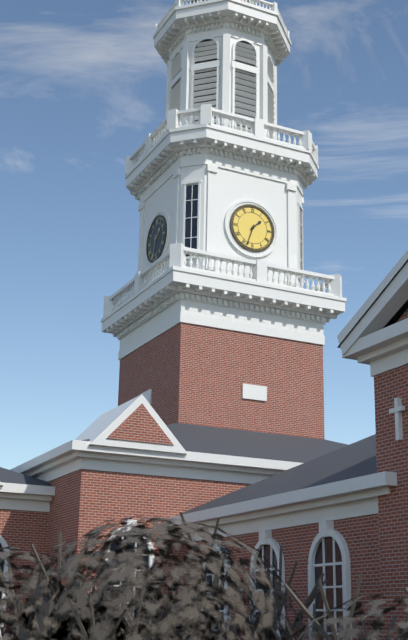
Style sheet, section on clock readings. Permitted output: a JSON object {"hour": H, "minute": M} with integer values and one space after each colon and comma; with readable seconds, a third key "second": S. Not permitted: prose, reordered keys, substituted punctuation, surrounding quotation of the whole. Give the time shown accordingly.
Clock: {"hour": 1, "minute": 33}
